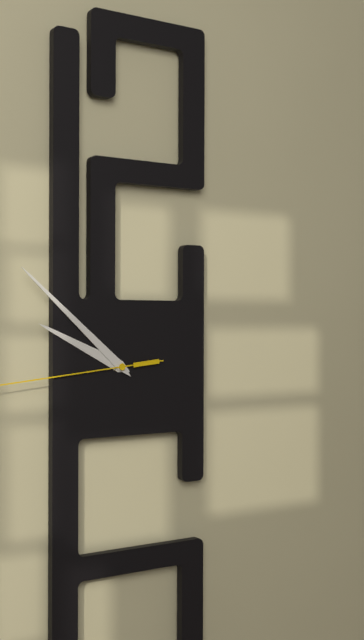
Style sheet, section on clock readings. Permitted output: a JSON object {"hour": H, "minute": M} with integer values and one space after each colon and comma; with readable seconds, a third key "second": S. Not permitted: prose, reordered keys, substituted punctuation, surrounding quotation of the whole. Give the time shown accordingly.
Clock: {"hour": 9, "minute": 52}
